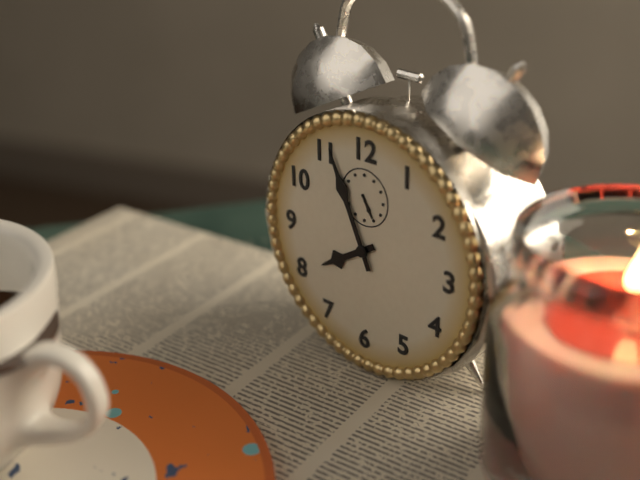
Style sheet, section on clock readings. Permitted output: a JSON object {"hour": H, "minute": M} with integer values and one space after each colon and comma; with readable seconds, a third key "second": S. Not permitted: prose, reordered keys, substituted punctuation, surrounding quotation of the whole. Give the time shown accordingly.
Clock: {"hour": 7, "minute": 56}
